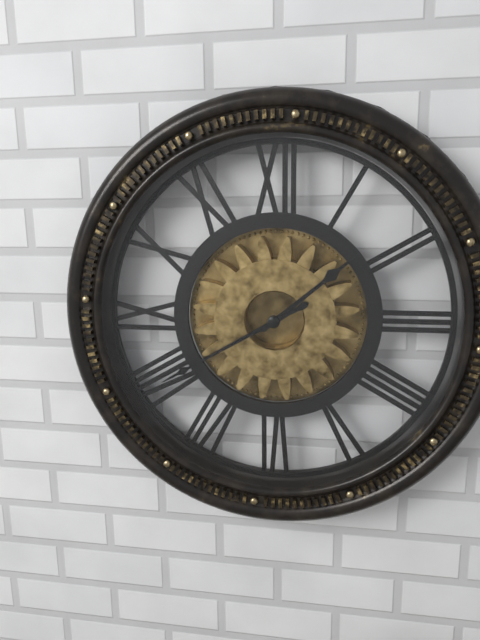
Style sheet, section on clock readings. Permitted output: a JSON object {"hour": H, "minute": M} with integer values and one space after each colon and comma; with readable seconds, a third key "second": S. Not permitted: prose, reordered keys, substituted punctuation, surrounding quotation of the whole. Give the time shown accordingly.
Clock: {"hour": 1, "minute": 40}
